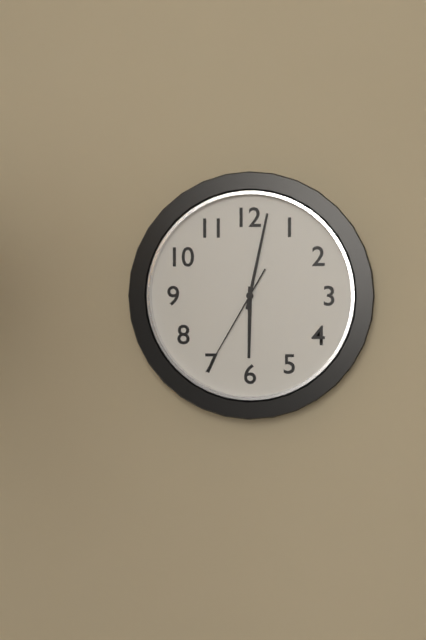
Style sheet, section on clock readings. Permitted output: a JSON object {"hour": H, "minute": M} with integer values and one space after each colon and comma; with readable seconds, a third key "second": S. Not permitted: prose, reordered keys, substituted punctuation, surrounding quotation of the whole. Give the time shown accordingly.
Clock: {"hour": 6, "minute": 2, "second": 35}
